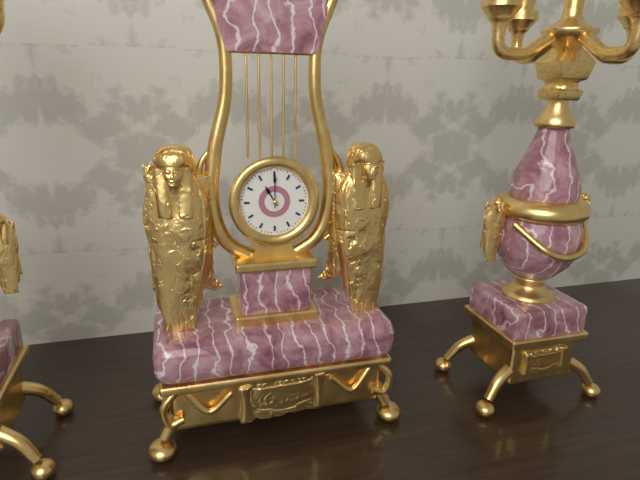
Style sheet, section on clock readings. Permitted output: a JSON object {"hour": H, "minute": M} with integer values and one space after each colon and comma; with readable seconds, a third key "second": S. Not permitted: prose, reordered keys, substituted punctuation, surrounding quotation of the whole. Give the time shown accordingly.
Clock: {"hour": 11, "minute": 0}
